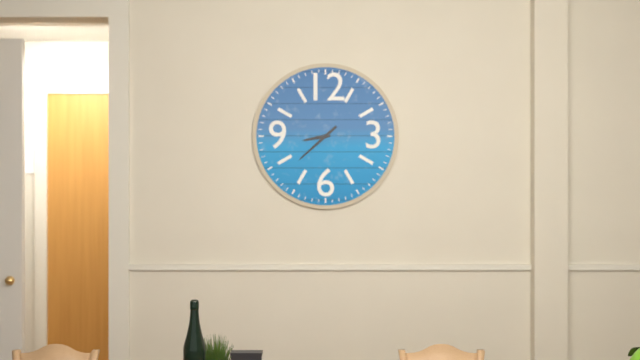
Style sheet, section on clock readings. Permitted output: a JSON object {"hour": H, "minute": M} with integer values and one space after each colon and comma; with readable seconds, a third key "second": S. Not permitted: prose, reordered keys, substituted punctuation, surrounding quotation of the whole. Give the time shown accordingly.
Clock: {"hour": 8, "minute": 38}
